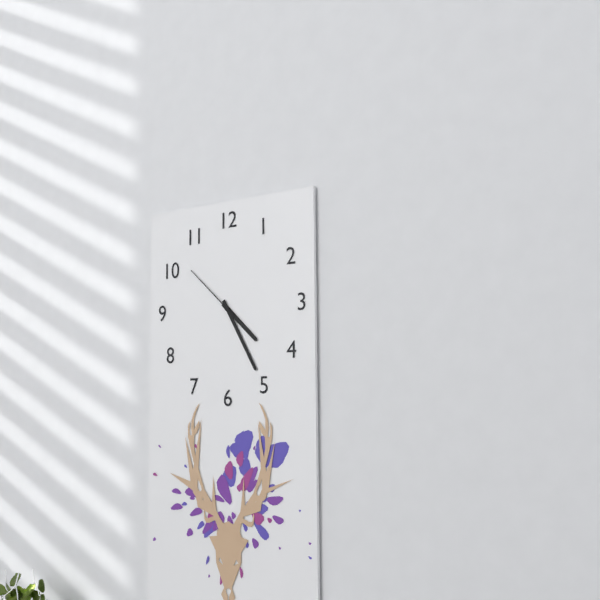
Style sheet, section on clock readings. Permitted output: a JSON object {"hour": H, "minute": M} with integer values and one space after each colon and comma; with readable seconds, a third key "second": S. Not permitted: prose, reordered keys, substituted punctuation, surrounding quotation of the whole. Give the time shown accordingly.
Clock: {"hour": 4, "minute": 25, "second": 52}
